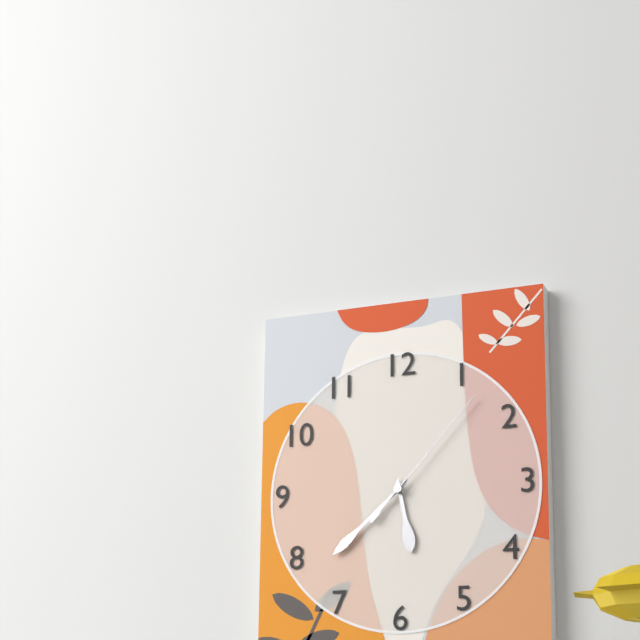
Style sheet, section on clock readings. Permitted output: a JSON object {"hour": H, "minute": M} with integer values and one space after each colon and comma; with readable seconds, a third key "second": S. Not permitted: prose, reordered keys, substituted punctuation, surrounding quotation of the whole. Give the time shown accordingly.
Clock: {"hour": 5, "minute": 38, "second": 7}
